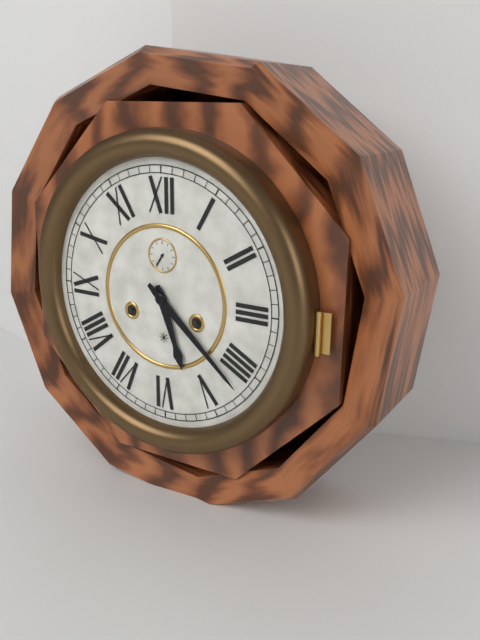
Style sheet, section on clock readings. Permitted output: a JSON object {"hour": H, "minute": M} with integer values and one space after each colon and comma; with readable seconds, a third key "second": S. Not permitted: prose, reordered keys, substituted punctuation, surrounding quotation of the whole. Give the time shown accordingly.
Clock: {"hour": 5, "minute": 22}
